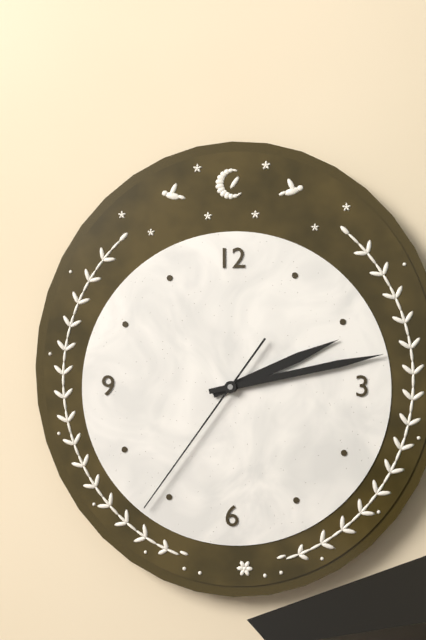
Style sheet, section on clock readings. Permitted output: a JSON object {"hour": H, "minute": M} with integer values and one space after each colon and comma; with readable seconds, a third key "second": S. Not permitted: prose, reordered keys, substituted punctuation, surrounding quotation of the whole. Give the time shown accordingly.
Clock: {"hour": 2, "minute": 13, "second": 36}
